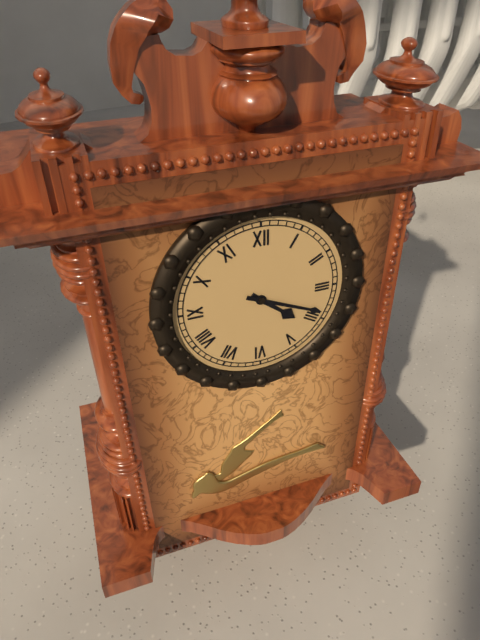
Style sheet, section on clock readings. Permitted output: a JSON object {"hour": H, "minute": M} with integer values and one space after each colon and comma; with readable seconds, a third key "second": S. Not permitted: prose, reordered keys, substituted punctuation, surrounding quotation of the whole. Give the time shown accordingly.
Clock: {"hour": 4, "minute": 19}
